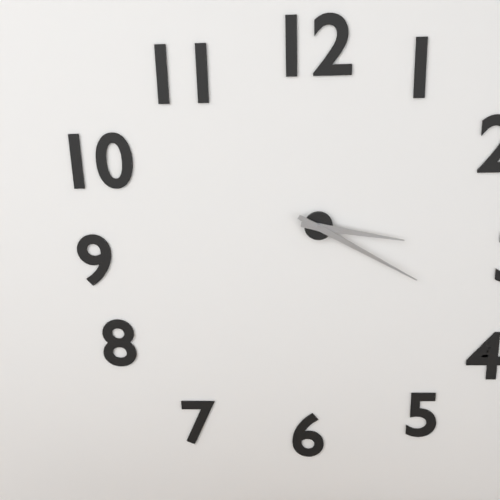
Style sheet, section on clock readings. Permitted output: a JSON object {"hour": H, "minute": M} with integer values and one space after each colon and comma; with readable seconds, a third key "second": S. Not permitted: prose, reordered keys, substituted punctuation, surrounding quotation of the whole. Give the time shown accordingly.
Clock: {"hour": 3, "minute": 20}
